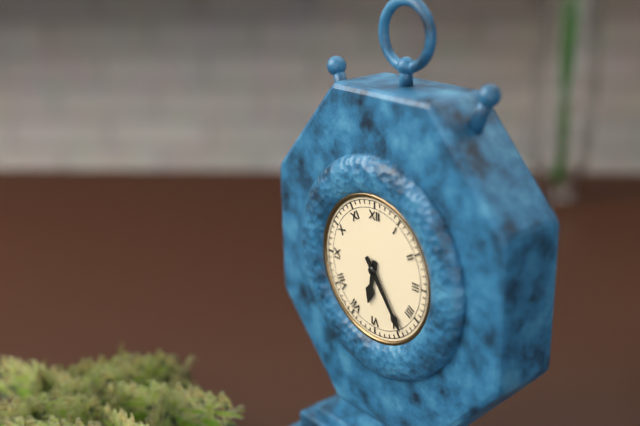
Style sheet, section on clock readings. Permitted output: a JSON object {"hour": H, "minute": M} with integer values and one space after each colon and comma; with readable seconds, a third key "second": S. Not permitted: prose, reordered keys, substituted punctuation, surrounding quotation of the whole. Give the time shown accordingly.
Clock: {"hour": 6, "minute": 24}
